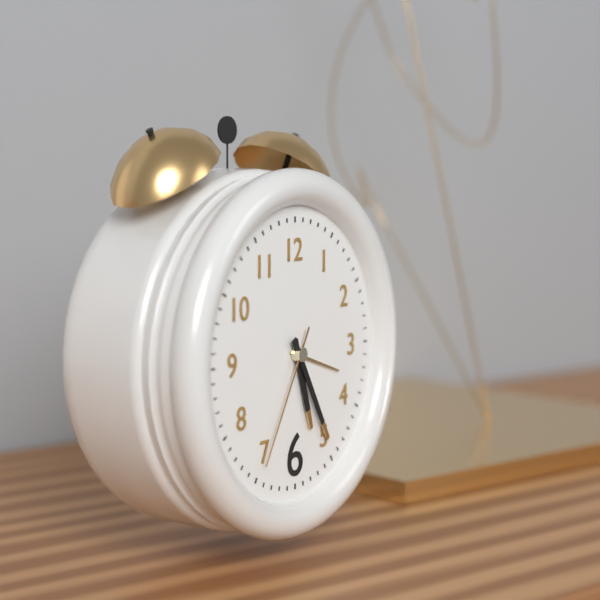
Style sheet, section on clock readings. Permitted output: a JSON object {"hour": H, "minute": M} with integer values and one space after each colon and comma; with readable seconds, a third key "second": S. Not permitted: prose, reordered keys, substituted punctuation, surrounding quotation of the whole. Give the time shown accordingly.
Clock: {"hour": 5, "minute": 25, "second": 35}
